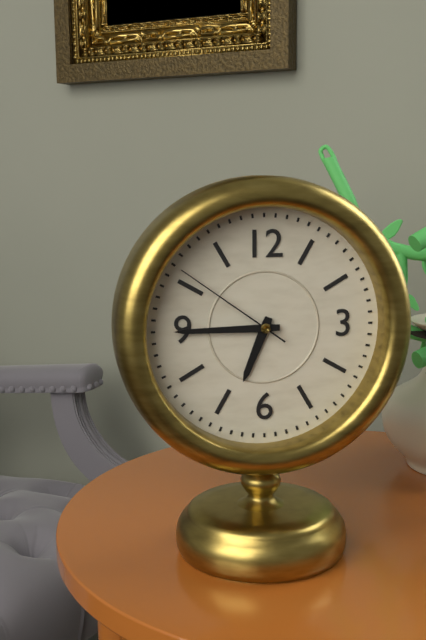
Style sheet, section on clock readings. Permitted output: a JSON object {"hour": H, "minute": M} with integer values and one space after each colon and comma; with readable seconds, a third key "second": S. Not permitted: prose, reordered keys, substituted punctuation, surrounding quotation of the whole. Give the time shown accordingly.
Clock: {"hour": 6, "minute": 45, "second": 51}
